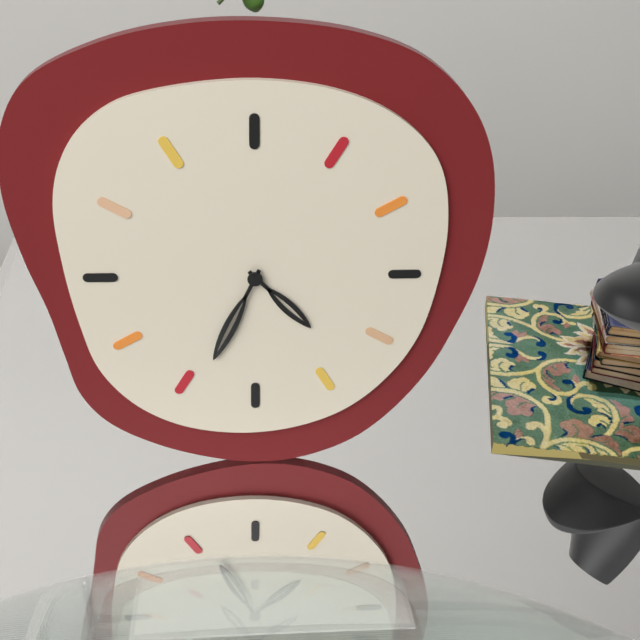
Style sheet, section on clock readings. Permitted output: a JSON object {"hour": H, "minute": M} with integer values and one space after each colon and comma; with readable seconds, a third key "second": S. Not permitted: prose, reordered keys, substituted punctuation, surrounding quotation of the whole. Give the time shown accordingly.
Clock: {"hour": 4, "minute": 34}
